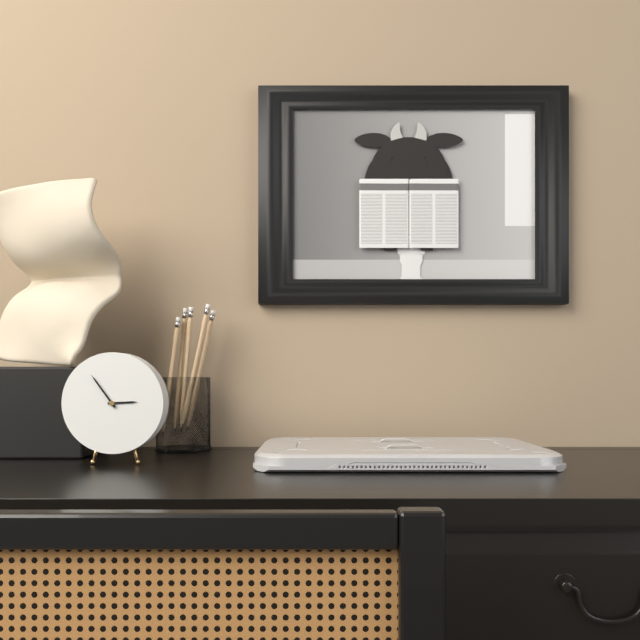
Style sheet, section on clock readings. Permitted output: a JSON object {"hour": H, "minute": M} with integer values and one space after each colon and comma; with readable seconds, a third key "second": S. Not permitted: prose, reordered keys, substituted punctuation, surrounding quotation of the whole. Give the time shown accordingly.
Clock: {"hour": 2, "minute": 54}
